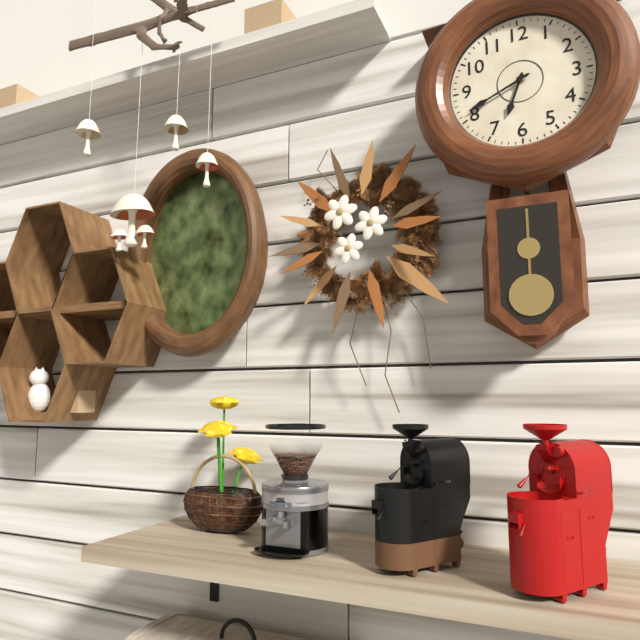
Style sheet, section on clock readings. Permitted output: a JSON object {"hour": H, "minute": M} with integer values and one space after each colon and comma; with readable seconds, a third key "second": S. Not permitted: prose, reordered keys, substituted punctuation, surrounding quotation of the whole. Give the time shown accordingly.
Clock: {"hour": 6, "minute": 41}
